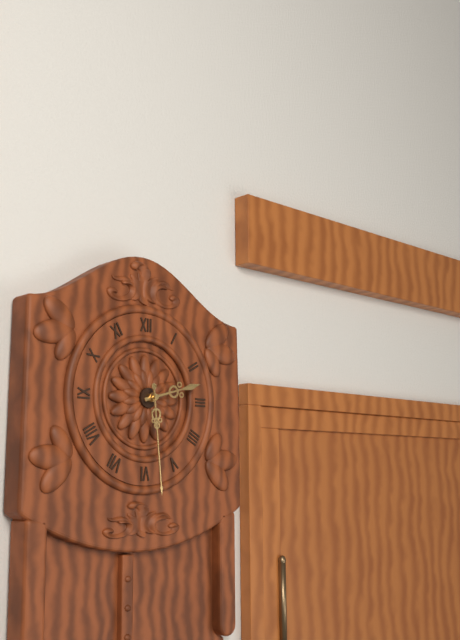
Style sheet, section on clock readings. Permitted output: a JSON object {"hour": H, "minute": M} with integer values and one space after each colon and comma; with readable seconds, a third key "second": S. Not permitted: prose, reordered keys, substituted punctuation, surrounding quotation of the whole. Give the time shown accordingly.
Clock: {"hour": 2, "minute": 29}
